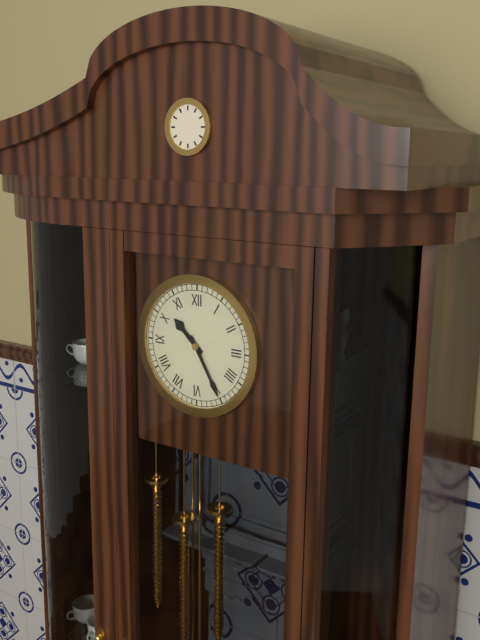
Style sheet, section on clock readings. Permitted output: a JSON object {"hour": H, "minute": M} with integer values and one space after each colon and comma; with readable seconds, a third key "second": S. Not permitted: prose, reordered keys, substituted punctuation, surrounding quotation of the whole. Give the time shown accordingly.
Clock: {"hour": 10, "minute": 25}
